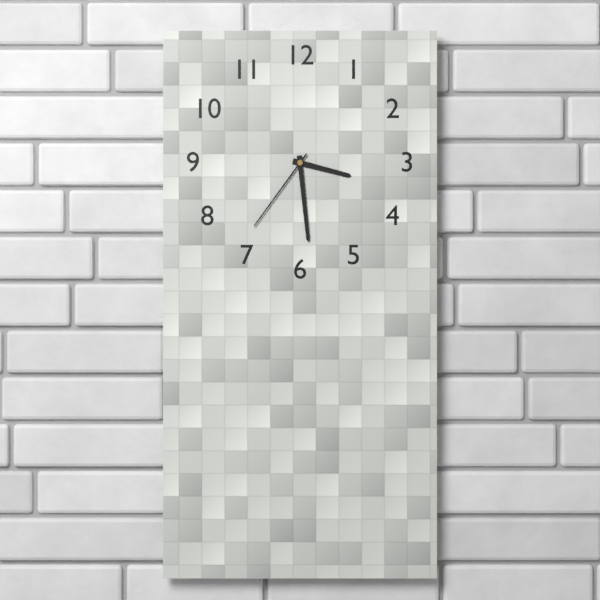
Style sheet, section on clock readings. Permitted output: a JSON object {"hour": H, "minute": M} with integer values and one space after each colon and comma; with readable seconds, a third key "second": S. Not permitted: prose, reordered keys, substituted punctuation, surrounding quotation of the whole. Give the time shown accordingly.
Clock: {"hour": 3, "minute": 29, "second": 36}
